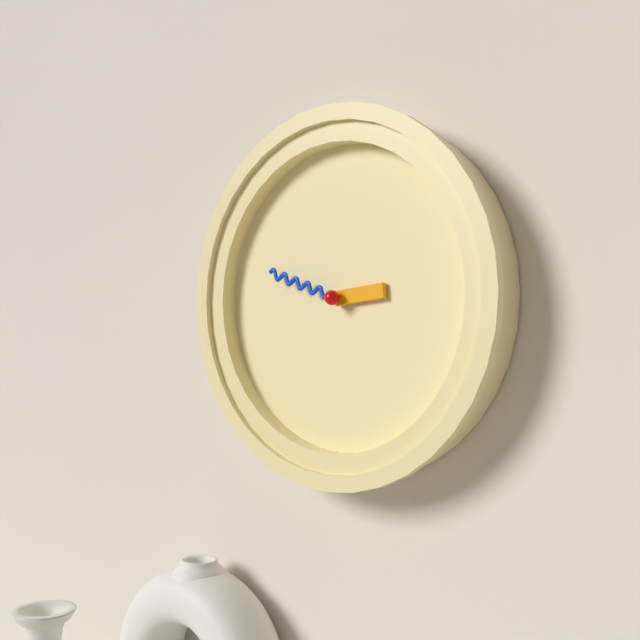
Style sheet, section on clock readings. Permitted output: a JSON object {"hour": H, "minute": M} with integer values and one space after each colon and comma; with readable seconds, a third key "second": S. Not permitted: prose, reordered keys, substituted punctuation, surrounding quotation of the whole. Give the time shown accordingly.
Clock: {"hour": 2, "minute": 48}
